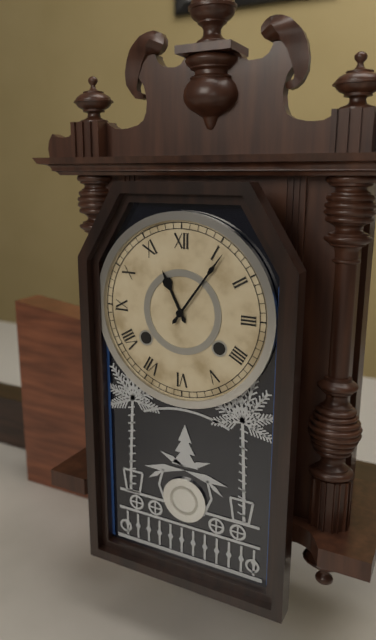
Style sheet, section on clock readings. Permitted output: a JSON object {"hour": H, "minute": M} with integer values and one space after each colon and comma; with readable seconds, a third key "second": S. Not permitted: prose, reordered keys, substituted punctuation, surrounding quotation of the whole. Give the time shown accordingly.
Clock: {"hour": 11, "minute": 6}
